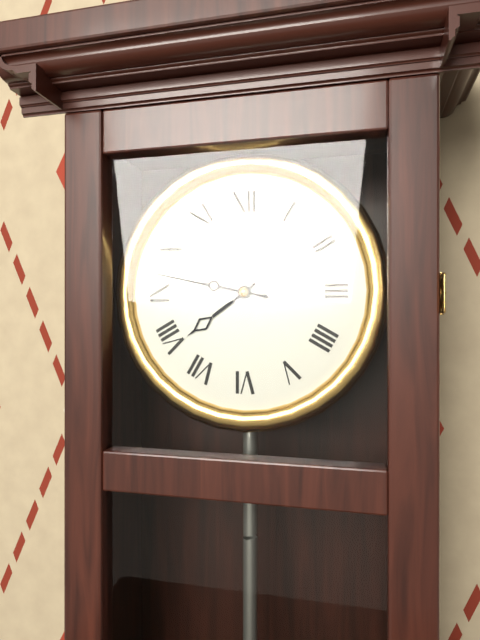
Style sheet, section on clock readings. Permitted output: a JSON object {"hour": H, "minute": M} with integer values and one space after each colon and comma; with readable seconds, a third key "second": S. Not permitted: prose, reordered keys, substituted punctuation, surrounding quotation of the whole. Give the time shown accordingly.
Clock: {"hour": 7, "minute": 47}
